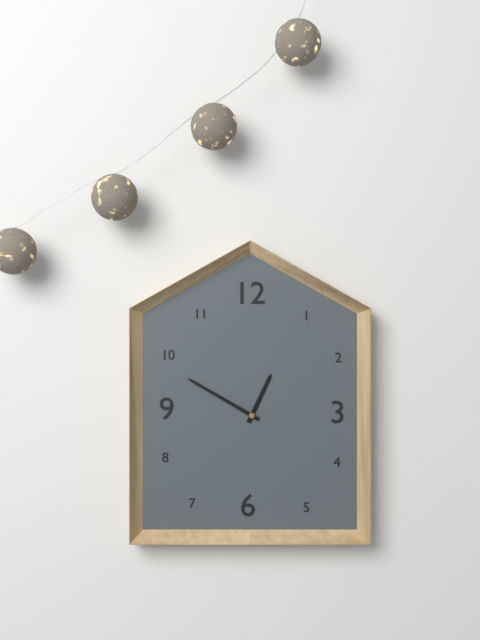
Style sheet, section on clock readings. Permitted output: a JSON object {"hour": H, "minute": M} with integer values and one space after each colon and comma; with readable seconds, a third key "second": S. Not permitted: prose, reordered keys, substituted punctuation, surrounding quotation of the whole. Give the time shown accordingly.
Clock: {"hour": 12, "minute": 50}
